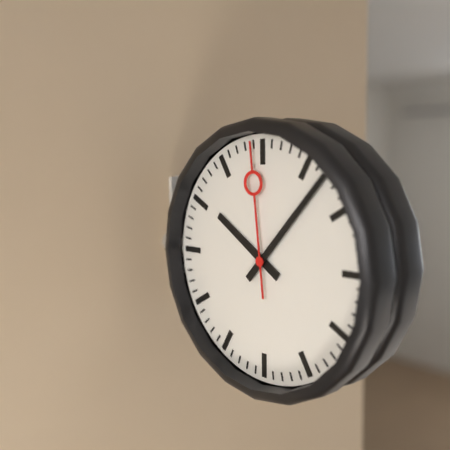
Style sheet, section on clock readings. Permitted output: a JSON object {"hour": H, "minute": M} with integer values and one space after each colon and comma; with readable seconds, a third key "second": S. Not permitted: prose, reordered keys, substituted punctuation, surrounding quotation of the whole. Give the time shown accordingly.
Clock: {"hour": 10, "minute": 7, "second": 59}
